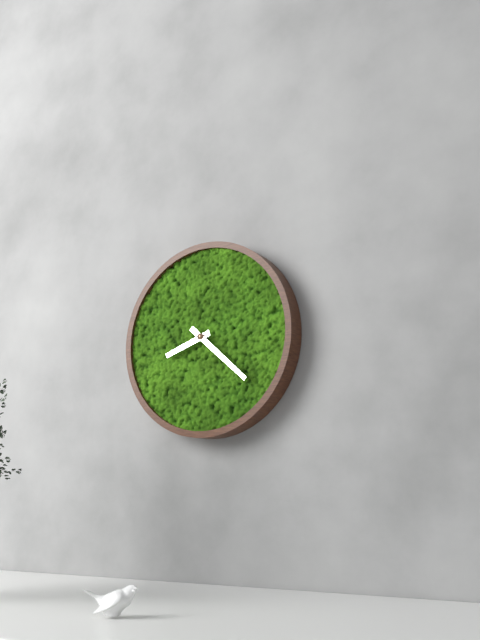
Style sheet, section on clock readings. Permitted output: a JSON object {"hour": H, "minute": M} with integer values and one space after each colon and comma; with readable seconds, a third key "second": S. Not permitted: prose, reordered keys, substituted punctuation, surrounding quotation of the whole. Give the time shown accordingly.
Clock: {"hour": 8, "minute": 22}
